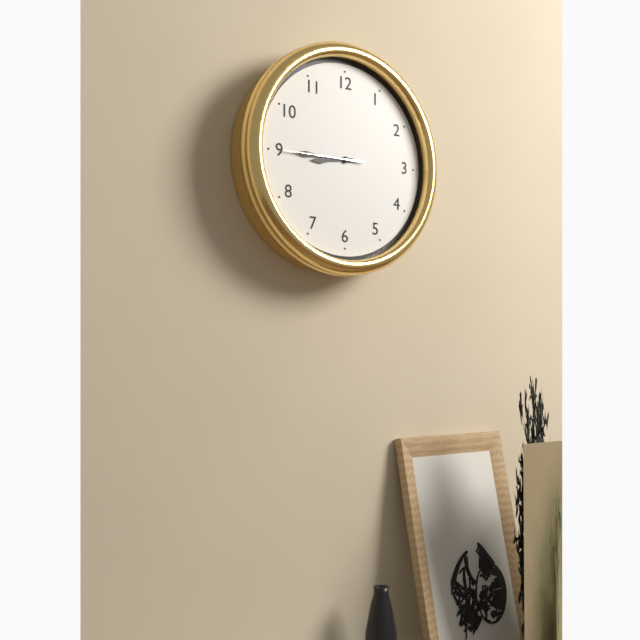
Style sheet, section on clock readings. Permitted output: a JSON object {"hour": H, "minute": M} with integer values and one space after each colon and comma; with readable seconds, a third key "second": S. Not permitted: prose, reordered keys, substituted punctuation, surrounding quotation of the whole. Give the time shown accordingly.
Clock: {"hour": 8, "minute": 45, "second": 45}
